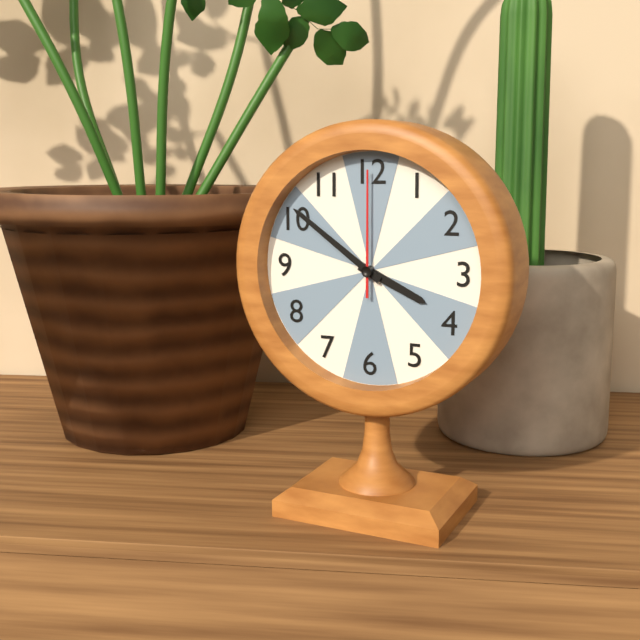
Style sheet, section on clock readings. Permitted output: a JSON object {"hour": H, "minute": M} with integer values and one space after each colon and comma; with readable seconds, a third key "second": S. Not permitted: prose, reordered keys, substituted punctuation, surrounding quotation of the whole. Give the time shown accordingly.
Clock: {"hour": 3, "minute": 51, "second": 0}
